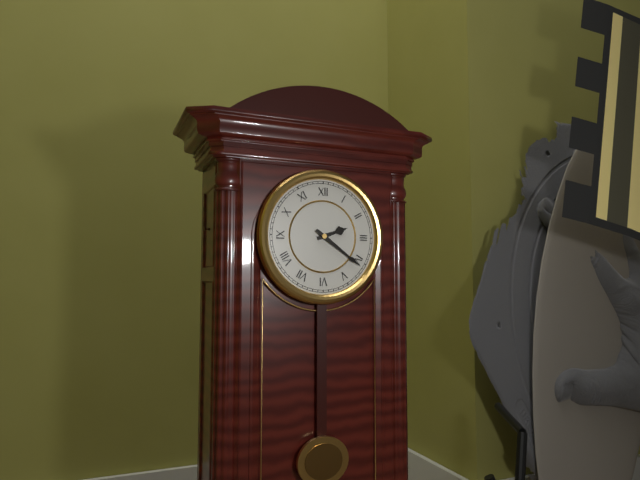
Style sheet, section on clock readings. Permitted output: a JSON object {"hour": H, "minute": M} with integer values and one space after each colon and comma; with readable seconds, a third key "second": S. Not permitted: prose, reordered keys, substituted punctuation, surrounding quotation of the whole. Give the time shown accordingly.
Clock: {"hour": 2, "minute": 21}
